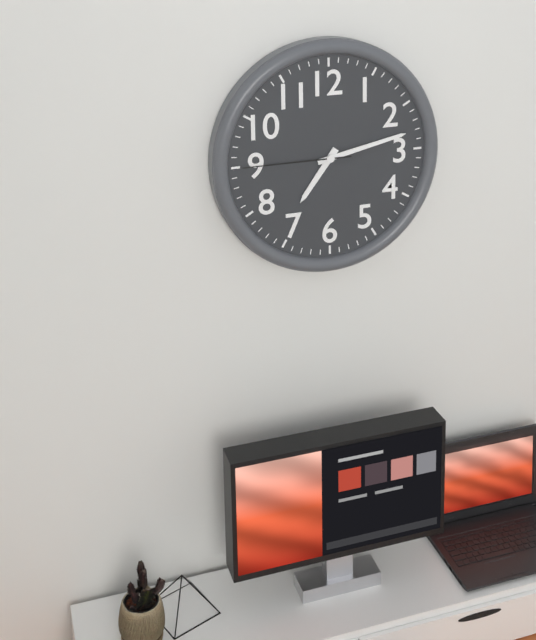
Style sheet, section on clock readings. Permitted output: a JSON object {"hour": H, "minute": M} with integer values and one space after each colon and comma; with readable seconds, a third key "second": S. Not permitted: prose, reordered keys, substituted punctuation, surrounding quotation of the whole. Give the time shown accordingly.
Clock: {"hour": 7, "minute": 13, "second": 45}
